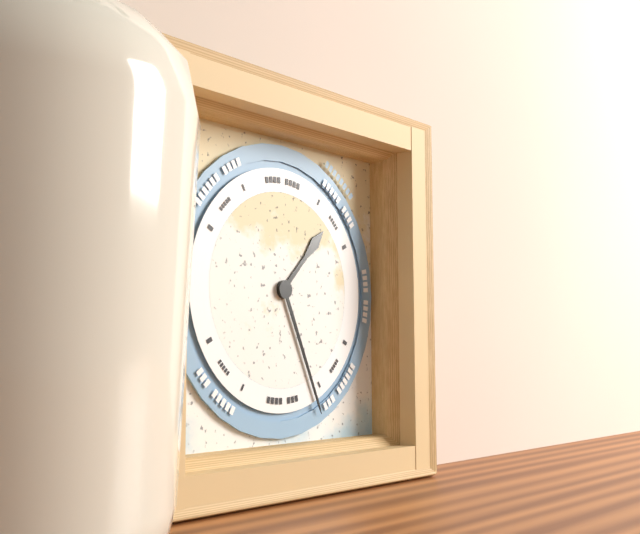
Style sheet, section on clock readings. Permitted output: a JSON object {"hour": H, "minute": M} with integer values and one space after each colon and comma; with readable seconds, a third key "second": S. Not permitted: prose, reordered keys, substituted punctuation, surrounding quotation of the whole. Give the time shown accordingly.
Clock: {"hour": 1, "minute": 26}
